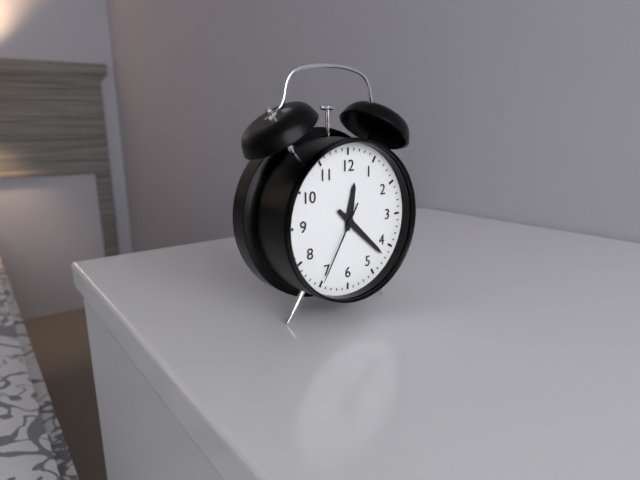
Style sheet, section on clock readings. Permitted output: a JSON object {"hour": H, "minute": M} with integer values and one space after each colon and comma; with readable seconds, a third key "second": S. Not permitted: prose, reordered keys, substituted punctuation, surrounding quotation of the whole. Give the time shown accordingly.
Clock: {"hour": 12, "minute": 22, "second": 35}
